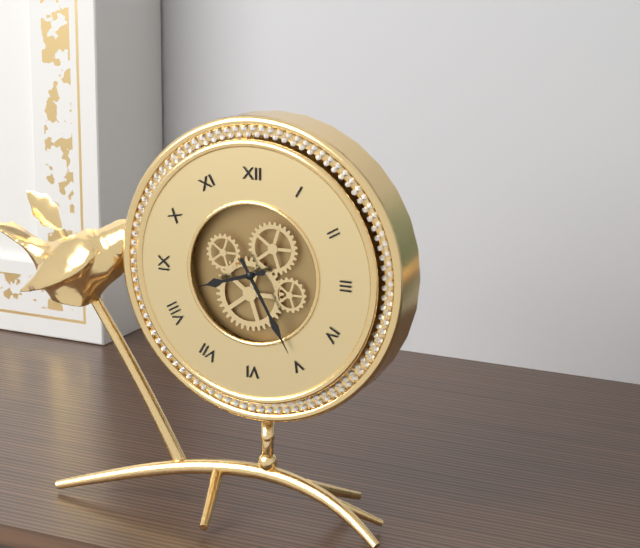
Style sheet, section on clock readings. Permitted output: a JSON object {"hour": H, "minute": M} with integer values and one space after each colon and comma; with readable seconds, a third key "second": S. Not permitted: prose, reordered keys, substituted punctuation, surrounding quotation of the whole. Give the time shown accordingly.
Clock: {"hour": 8, "minute": 25}
